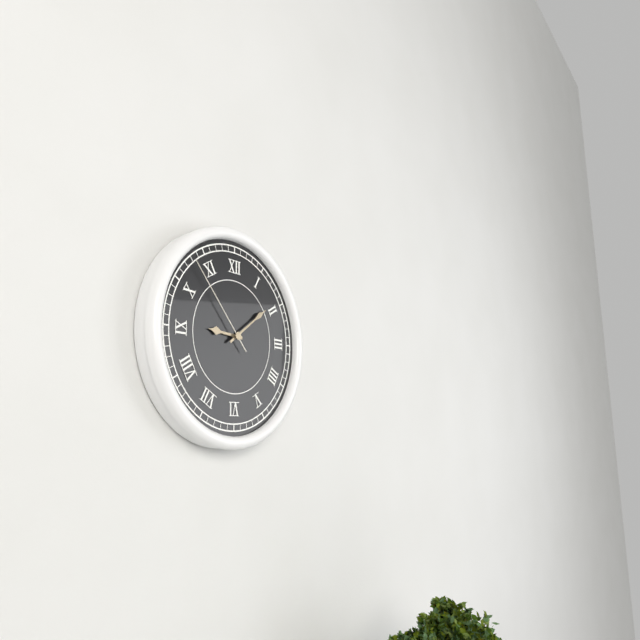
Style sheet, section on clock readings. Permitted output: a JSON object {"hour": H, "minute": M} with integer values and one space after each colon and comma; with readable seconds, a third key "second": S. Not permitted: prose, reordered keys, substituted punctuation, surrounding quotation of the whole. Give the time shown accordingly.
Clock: {"hour": 9, "minute": 9, "second": 53}
